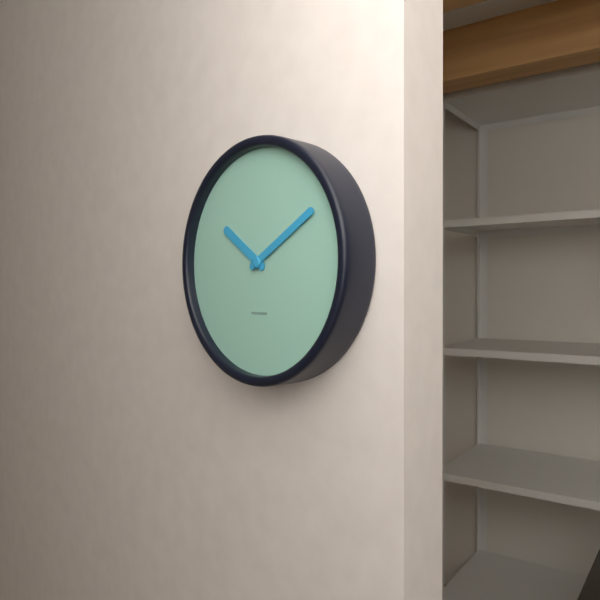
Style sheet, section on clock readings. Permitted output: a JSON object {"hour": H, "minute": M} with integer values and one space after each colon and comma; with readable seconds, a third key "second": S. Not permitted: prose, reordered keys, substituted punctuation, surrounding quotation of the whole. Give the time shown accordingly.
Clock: {"hour": 10, "minute": 10}
